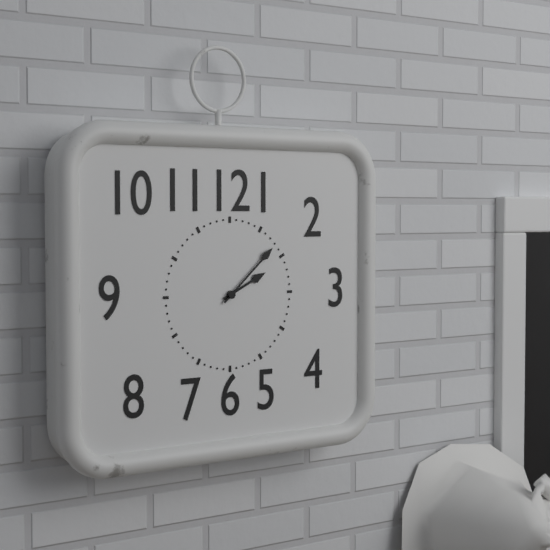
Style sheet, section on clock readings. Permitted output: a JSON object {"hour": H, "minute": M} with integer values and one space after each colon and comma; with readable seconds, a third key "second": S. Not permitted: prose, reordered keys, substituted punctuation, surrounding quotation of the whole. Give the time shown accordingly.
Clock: {"hour": 2, "minute": 8}
